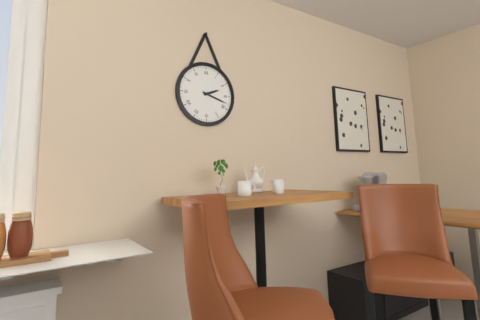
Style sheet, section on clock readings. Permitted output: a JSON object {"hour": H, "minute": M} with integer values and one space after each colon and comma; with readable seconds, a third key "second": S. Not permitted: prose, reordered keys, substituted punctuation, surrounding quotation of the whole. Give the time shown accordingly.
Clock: {"hour": 2, "minute": 18}
